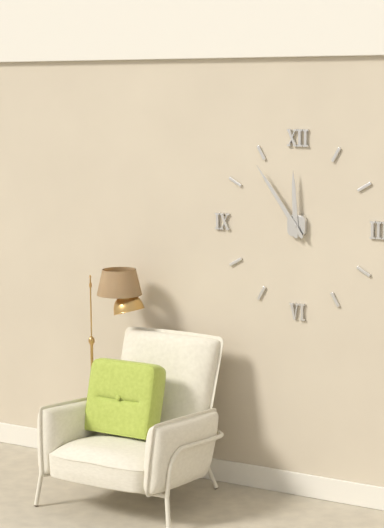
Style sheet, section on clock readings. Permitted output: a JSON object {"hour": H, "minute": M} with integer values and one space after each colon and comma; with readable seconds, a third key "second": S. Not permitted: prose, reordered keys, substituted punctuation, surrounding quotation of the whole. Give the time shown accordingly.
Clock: {"hour": 11, "minute": 54}
